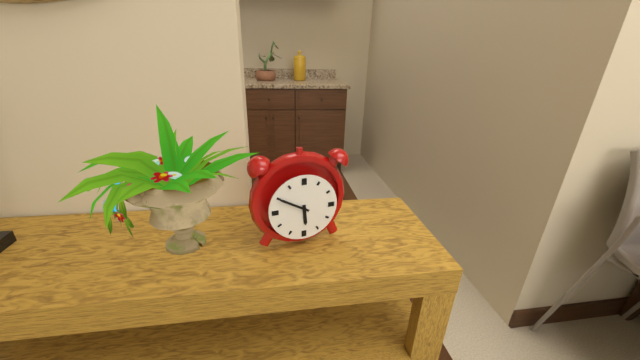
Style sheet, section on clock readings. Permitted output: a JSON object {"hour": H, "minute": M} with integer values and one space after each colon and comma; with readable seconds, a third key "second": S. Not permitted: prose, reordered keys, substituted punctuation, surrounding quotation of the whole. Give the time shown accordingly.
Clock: {"hour": 5, "minute": 50}
